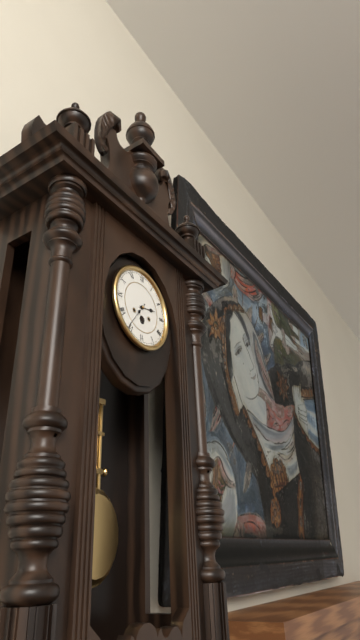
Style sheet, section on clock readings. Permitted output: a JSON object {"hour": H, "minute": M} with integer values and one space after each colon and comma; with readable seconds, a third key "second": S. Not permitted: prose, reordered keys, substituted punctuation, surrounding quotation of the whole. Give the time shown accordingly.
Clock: {"hour": 2, "minute": 36}
